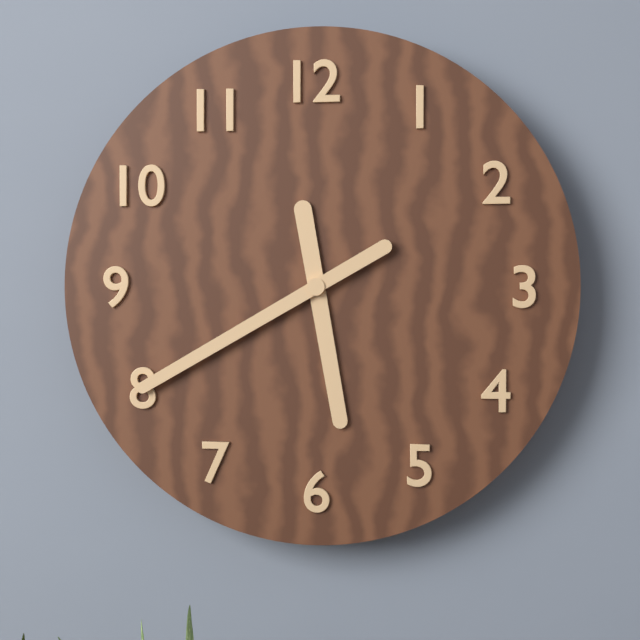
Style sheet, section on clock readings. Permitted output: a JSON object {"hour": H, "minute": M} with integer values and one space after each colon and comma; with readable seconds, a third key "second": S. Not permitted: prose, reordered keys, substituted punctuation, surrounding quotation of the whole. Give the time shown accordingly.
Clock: {"hour": 5, "minute": 40}
